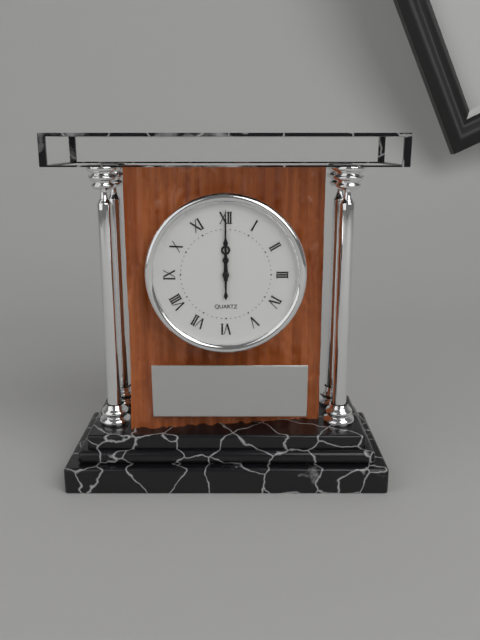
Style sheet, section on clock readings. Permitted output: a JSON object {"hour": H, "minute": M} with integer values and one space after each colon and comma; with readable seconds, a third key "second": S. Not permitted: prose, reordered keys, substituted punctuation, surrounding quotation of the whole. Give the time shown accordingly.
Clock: {"hour": 12, "minute": 0}
